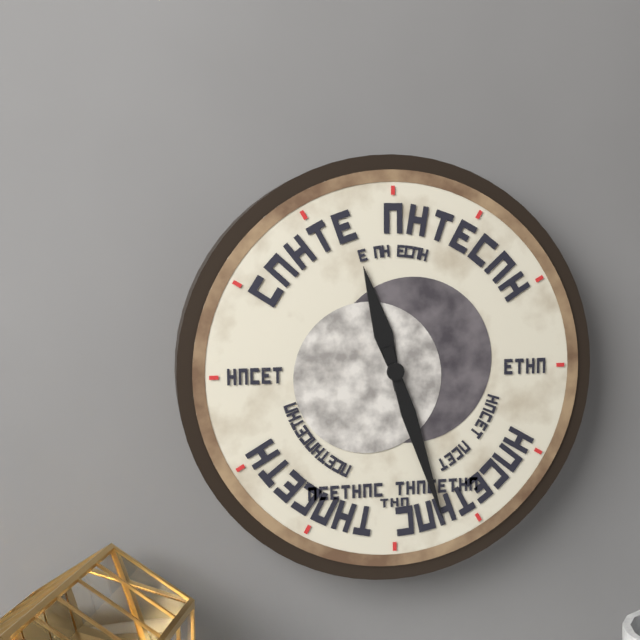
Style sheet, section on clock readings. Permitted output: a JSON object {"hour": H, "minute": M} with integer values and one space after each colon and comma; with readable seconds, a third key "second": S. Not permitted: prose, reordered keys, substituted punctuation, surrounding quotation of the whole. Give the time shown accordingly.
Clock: {"hour": 11, "minute": 27}
